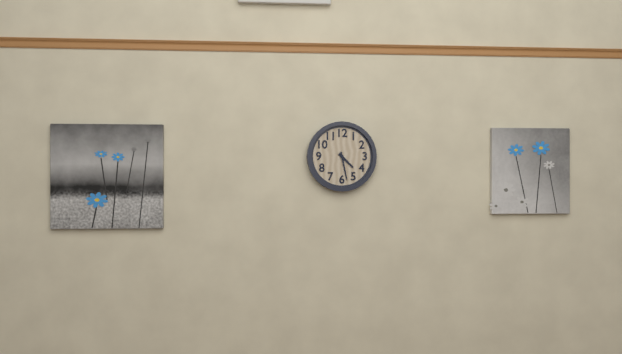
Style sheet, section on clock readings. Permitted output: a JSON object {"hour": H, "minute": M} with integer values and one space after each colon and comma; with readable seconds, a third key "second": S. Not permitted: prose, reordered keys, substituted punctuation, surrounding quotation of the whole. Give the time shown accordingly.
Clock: {"hour": 4, "minute": 28}
